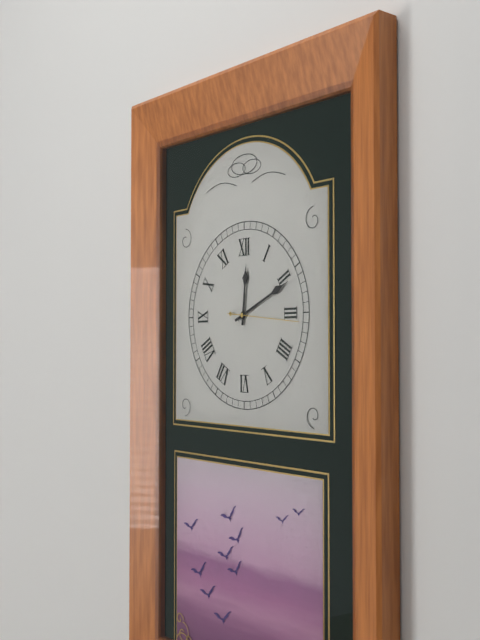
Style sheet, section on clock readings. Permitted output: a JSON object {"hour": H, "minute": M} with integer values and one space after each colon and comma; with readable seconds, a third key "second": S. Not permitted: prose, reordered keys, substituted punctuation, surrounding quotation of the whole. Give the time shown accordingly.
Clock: {"hour": 12, "minute": 11, "second": 16}
